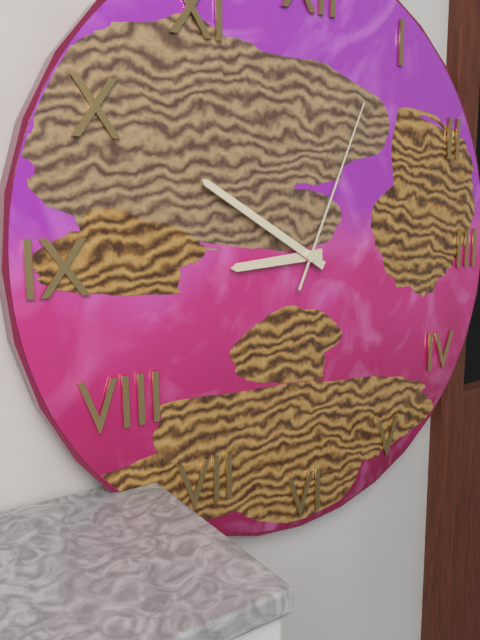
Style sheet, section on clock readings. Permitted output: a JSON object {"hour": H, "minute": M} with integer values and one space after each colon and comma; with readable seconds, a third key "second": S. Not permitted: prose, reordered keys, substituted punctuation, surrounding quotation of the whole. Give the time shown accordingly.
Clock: {"hour": 8, "minute": 50, "second": 4}
